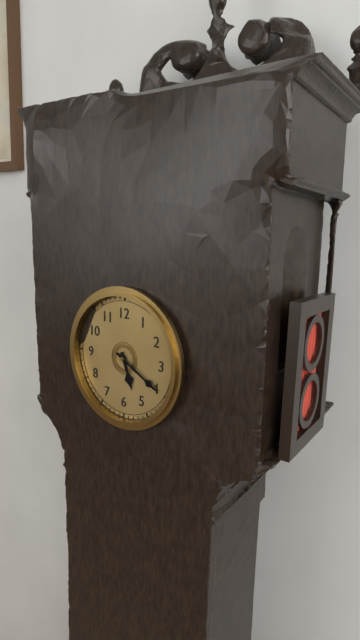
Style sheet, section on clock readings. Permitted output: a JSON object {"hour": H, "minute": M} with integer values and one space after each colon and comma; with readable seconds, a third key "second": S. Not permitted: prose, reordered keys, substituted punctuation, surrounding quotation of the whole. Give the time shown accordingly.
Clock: {"hour": 5, "minute": 20}
